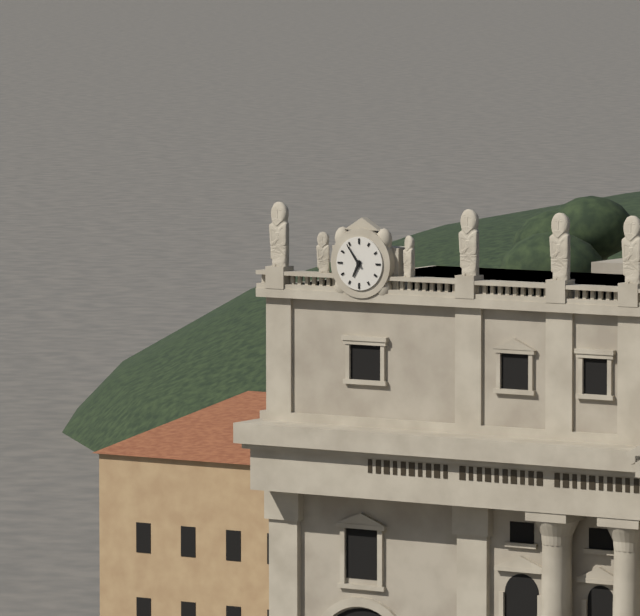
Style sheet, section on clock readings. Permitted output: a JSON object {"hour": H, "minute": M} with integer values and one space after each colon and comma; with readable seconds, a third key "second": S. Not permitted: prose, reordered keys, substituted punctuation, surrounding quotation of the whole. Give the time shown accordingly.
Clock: {"hour": 6, "minute": 54}
